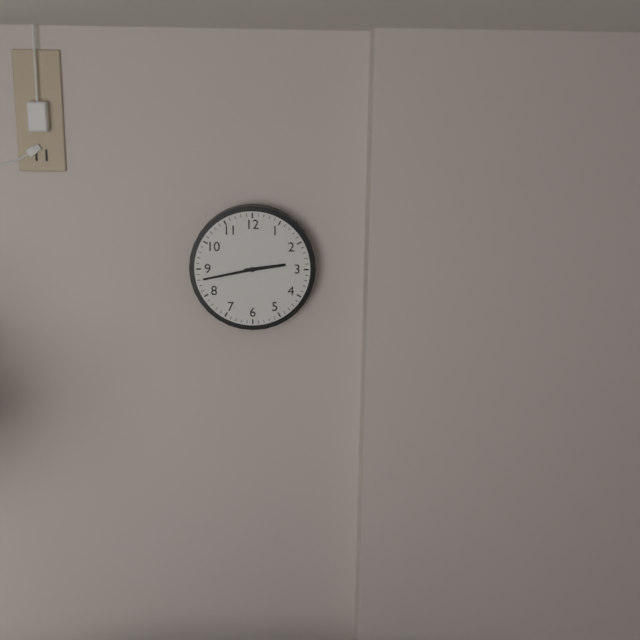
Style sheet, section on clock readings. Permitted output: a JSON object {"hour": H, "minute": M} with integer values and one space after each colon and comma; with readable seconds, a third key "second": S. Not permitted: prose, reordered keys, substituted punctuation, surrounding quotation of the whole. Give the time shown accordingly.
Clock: {"hour": 2, "minute": 43}
